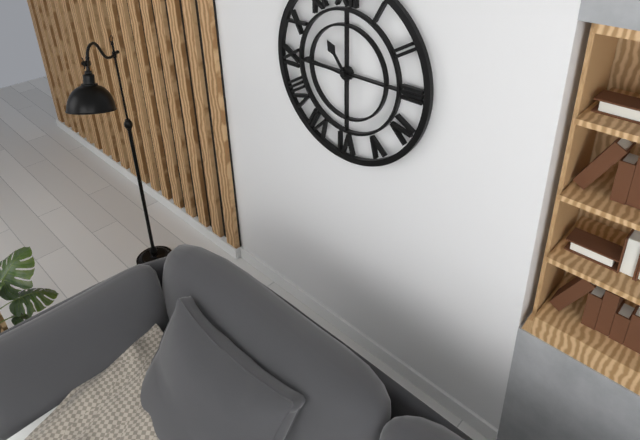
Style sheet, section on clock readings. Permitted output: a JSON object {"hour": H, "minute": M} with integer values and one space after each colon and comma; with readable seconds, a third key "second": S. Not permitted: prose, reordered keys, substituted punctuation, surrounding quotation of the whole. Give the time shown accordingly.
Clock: {"hour": 10, "minute": 46}
